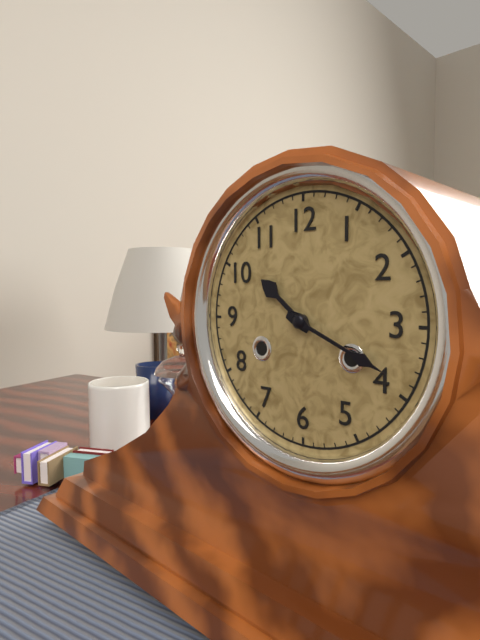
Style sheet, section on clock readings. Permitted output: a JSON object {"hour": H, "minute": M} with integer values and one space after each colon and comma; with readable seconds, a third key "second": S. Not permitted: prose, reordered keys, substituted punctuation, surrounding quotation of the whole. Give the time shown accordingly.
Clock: {"hour": 10, "minute": 19}
